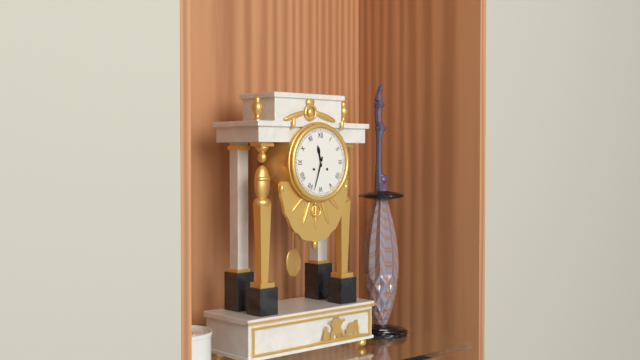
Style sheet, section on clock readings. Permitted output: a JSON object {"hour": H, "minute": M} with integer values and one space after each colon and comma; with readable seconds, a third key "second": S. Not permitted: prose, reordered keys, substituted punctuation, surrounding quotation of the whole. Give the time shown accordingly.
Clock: {"hour": 11, "minute": 33}
